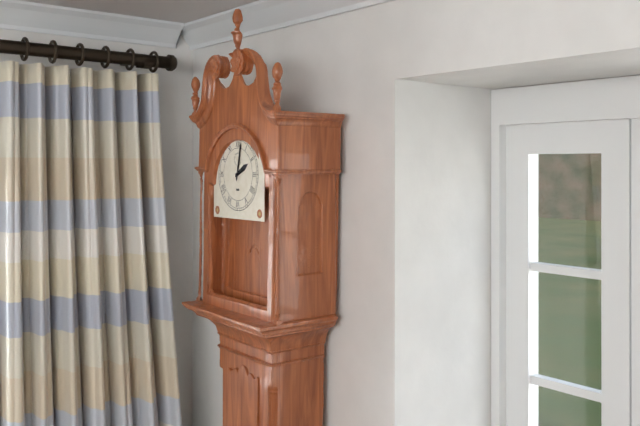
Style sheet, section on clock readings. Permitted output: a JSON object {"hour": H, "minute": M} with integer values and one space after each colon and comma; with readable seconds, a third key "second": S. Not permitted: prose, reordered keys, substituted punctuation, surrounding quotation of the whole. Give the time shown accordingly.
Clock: {"hour": 2, "minute": 2}
